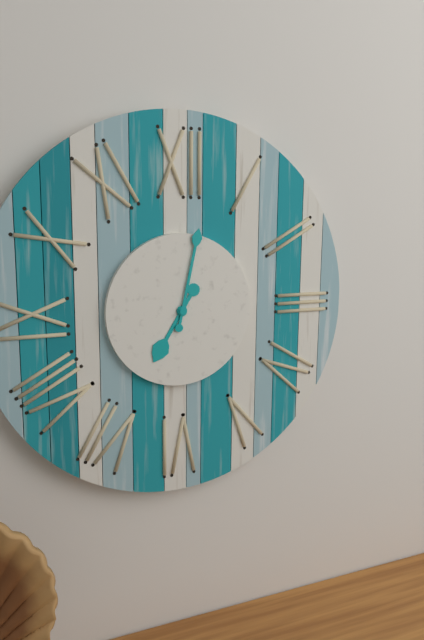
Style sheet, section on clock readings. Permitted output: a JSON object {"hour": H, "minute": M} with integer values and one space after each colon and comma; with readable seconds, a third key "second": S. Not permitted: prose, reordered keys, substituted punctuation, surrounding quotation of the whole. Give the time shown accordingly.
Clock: {"hour": 7, "minute": 2}
